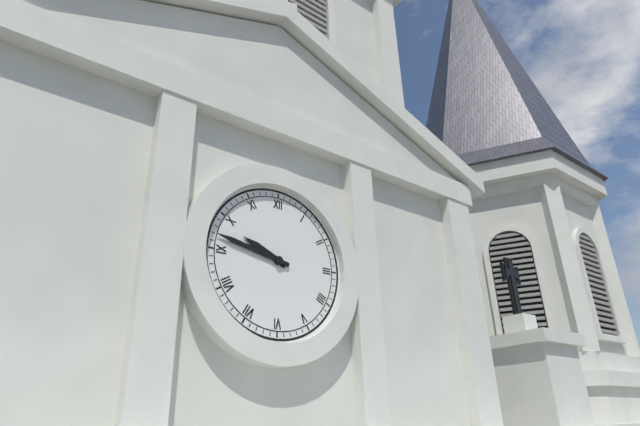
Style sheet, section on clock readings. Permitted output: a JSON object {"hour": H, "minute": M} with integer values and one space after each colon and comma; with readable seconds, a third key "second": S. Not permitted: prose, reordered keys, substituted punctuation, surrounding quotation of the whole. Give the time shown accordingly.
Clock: {"hour": 9, "minute": 47}
